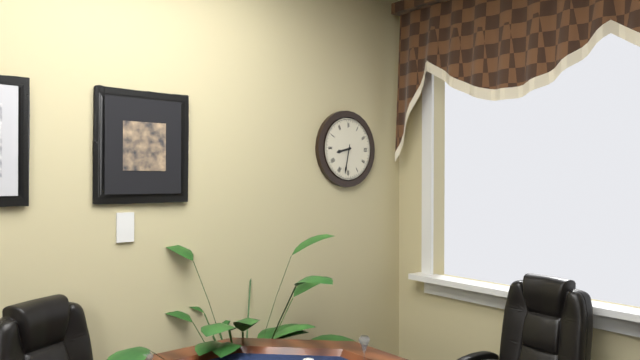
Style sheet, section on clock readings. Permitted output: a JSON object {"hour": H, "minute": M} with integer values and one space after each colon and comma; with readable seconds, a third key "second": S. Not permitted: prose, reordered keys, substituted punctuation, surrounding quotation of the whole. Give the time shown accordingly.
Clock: {"hour": 8, "minute": 32}
